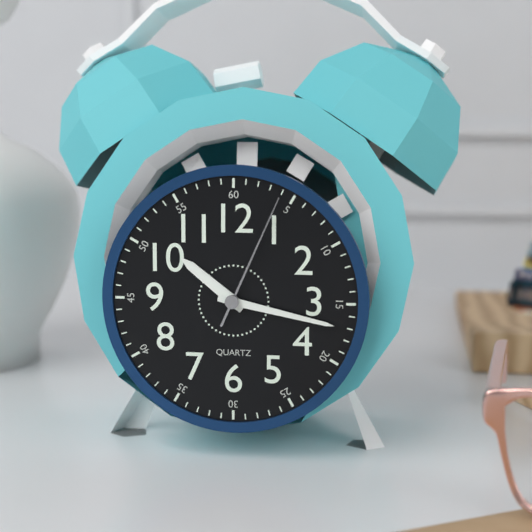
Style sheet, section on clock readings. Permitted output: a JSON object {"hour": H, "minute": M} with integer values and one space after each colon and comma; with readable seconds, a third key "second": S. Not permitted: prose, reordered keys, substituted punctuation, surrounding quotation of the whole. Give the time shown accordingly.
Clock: {"hour": 10, "minute": 17, "second": 4}
